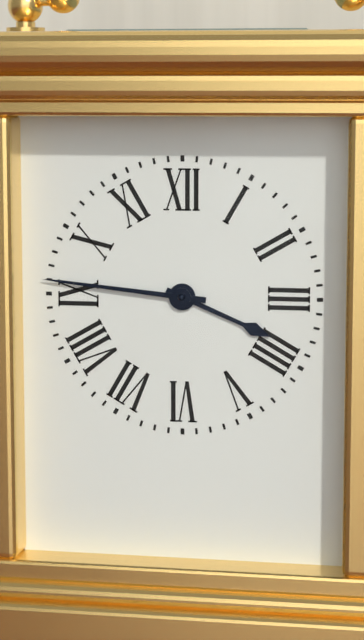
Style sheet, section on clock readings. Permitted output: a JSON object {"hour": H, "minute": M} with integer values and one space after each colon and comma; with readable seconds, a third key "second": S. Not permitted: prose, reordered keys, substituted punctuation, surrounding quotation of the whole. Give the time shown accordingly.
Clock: {"hour": 3, "minute": 46}
